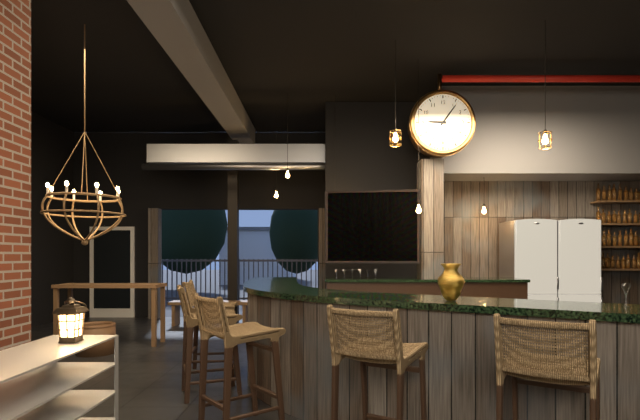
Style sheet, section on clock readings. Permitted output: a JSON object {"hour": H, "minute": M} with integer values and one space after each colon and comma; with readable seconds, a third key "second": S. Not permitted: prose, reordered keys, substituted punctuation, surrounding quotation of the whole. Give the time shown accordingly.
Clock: {"hour": 9, "minute": 6}
